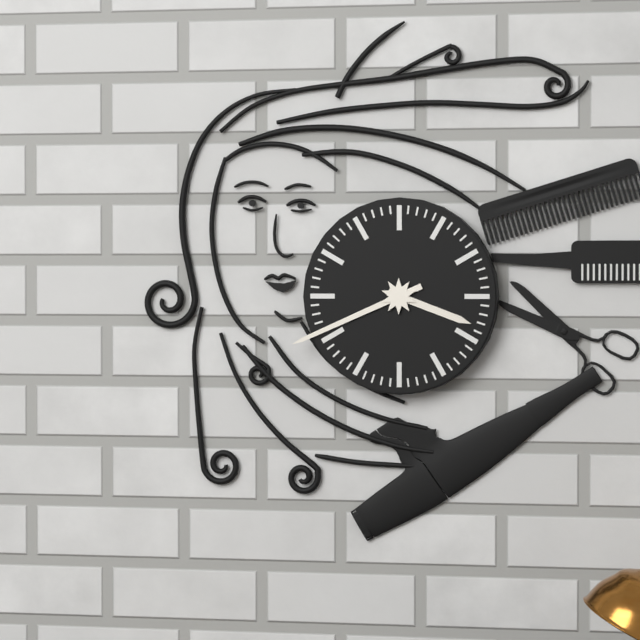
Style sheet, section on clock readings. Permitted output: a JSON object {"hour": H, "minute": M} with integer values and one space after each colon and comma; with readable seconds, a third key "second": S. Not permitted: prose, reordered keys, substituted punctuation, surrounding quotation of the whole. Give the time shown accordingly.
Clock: {"hour": 3, "minute": 41}
